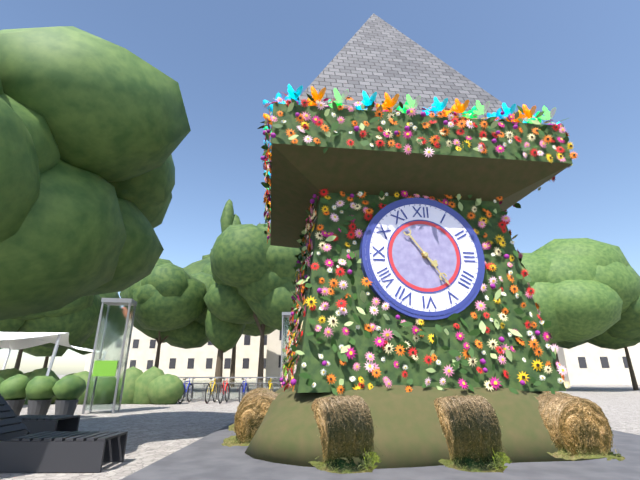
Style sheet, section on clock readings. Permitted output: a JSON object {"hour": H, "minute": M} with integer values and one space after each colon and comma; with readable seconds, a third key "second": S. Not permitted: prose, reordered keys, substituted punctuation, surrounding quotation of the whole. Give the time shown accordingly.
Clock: {"hour": 4, "minute": 24}
